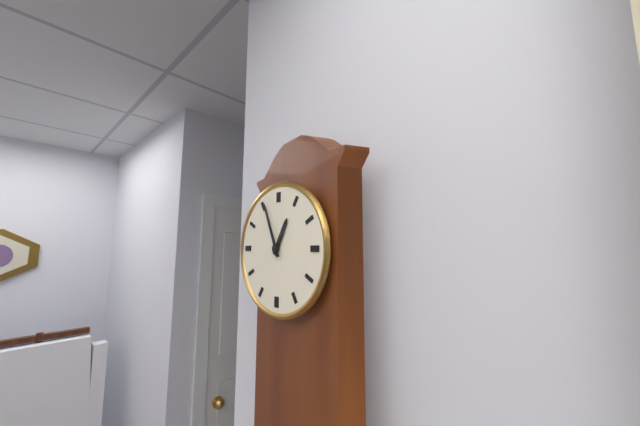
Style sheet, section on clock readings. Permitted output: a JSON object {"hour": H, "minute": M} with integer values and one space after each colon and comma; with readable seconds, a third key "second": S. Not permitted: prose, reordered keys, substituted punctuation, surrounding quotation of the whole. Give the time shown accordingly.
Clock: {"hour": 12, "minute": 56}
